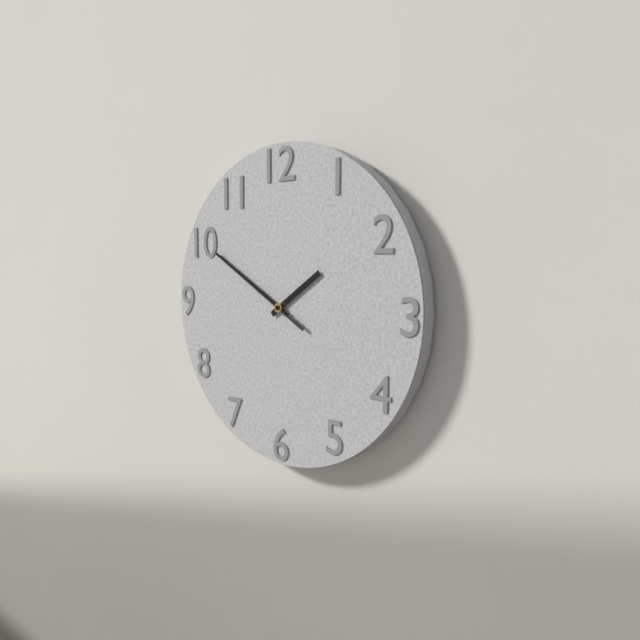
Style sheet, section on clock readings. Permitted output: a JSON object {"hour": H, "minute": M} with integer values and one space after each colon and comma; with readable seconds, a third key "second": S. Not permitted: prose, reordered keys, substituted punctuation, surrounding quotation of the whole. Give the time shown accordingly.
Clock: {"hour": 1, "minute": 50, "second": 50}
